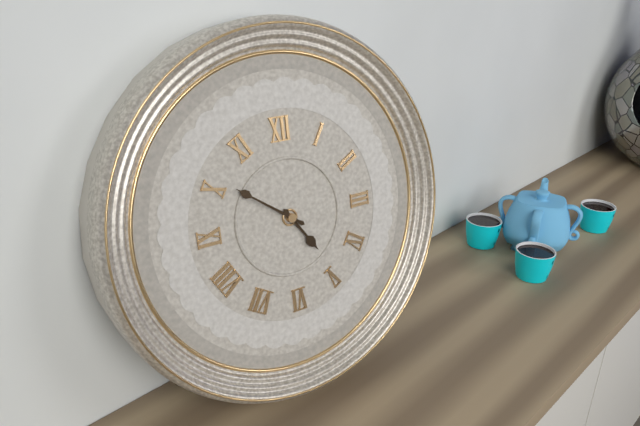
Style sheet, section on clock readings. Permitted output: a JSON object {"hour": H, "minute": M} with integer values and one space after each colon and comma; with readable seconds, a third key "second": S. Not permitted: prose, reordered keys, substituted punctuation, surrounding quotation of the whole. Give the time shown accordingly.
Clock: {"hour": 4, "minute": 51}
